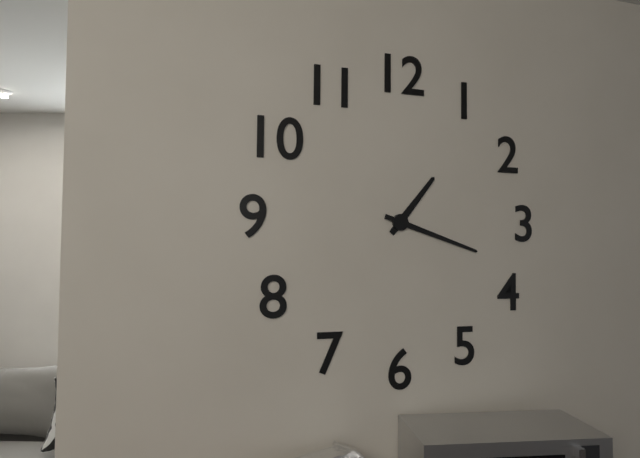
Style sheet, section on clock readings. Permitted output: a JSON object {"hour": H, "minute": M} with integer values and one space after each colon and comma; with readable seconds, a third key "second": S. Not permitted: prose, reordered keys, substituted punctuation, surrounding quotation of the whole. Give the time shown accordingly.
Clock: {"hour": 1, "minute": 18}
